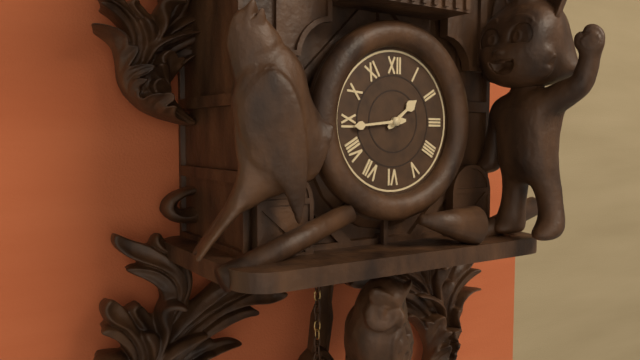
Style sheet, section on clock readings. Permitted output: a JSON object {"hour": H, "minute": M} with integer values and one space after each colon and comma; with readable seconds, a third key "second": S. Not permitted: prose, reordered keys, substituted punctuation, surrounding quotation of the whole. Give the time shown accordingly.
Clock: {"hour": 1, "minute": 44}
